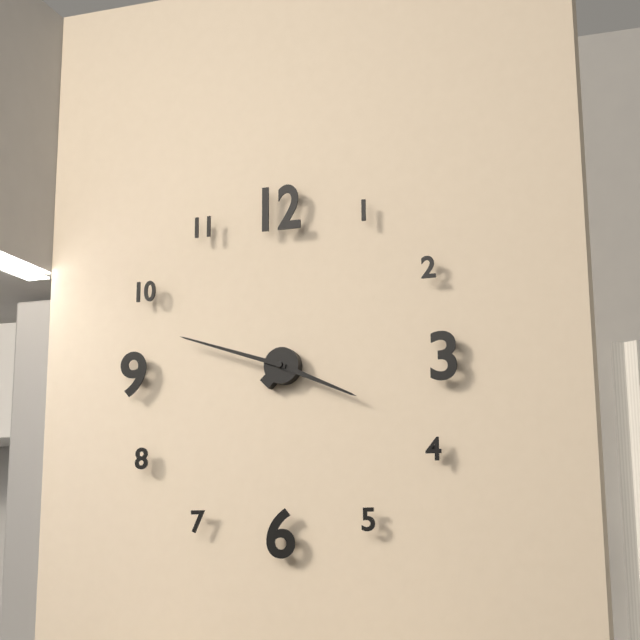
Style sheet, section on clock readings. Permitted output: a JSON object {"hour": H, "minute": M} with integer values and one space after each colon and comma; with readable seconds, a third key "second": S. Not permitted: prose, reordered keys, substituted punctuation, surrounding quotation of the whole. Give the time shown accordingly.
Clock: {"hour": 3, "minute": 48}
